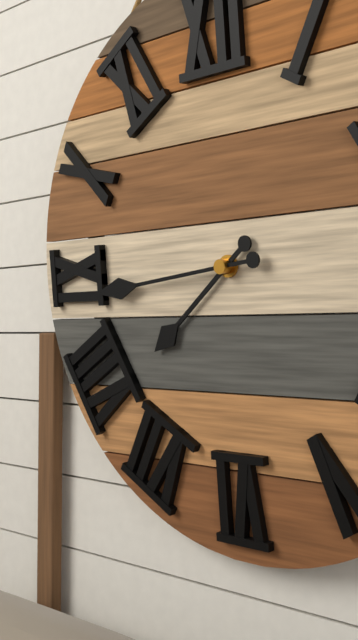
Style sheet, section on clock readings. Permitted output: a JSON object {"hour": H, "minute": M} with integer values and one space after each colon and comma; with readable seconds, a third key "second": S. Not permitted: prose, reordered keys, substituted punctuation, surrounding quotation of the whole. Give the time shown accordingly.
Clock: {"hour": 7, "minute": 44}
